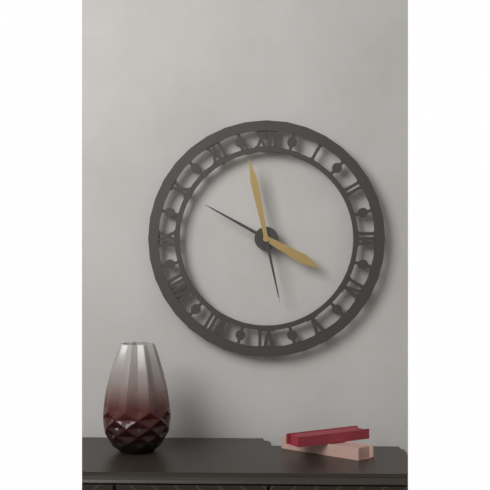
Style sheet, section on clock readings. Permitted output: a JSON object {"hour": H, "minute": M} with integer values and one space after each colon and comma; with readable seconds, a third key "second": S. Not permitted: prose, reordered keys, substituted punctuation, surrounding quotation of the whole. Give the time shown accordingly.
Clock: {"hour": 3, "minute": 58}
